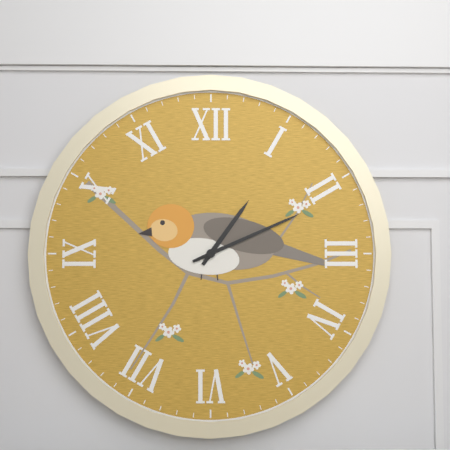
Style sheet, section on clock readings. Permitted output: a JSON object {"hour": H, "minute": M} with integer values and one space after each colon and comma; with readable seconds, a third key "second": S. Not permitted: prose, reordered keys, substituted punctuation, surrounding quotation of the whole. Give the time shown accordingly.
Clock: {"hour": 1, "minute": 11}
